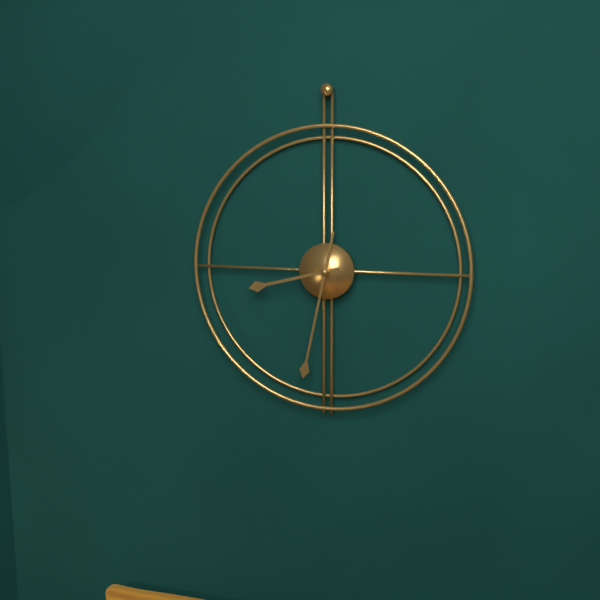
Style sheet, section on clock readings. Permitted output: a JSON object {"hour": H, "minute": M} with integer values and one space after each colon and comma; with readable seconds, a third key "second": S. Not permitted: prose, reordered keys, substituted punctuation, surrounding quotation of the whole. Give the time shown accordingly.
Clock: {"hour": 8, "minute": 32}
